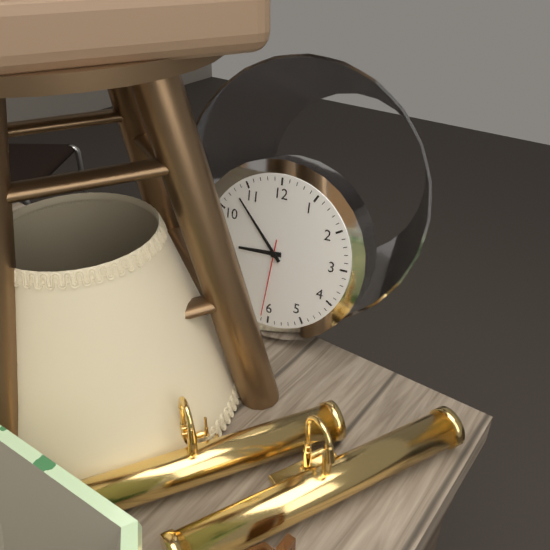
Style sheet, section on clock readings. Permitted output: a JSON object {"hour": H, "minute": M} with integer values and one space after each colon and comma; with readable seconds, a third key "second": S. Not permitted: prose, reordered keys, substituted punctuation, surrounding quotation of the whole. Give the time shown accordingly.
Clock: {"hour": 8, "minute": 53, "second": 31}
